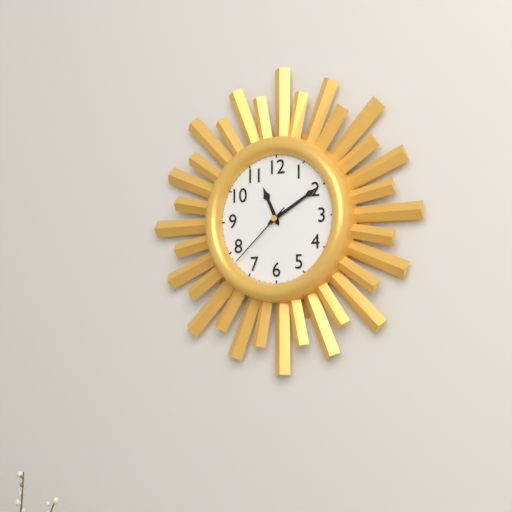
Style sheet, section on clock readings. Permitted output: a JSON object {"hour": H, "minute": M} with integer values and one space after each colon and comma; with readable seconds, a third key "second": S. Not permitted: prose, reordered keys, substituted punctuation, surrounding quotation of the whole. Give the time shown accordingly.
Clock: {"hour": 11, "minute": 10, "second": 38}
